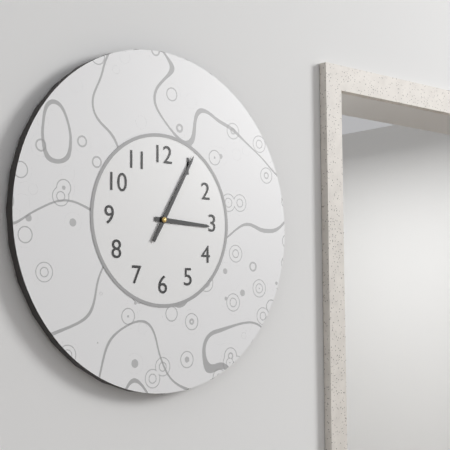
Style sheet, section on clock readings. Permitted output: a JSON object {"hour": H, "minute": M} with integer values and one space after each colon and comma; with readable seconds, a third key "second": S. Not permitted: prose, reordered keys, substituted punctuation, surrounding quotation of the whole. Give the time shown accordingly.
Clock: {"hour": 3, "minute": 5}
